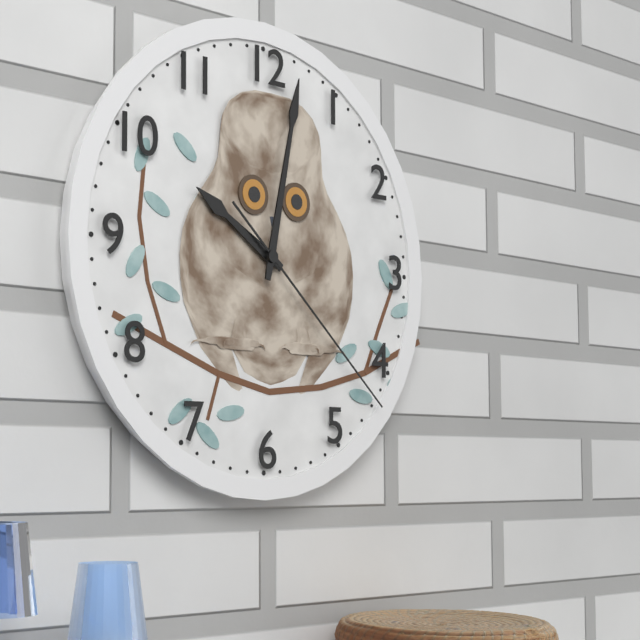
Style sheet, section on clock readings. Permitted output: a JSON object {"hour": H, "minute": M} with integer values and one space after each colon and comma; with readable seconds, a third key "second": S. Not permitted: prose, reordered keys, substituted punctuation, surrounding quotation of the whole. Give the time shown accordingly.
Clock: {"hour": 10, "minute": 2, "second": 22}
